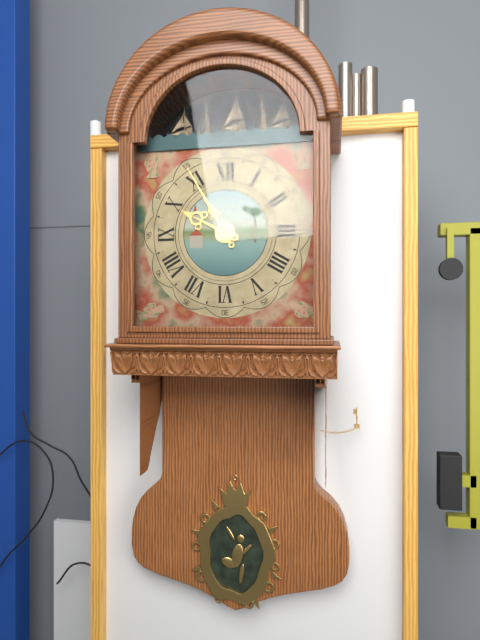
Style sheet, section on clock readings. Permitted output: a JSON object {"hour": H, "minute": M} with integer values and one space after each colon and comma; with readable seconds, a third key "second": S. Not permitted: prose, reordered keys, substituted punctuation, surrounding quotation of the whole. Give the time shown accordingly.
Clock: {"hour": 9, "minute": 55}
